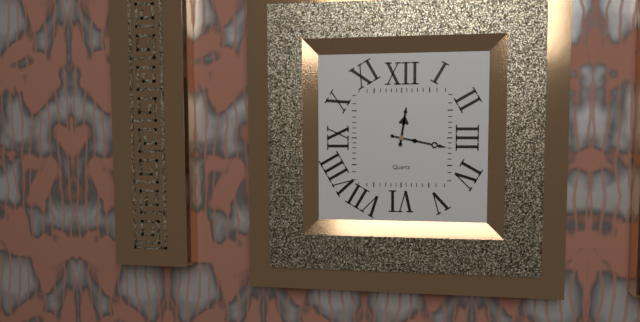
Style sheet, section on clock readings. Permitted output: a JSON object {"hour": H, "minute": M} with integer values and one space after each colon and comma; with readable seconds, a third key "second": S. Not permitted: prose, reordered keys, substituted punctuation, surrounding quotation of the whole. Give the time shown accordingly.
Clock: {"hour": 12, "minute": 17}
